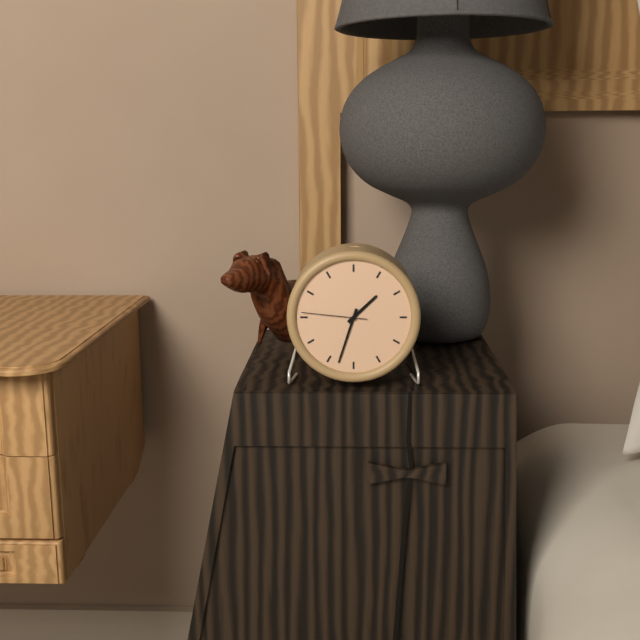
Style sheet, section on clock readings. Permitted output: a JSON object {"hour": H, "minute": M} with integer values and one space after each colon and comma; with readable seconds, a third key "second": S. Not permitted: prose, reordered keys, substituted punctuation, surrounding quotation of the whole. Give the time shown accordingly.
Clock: {"hour": 1, "minute": 33, "second": 46}
